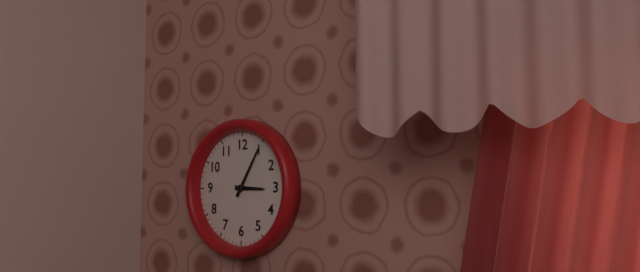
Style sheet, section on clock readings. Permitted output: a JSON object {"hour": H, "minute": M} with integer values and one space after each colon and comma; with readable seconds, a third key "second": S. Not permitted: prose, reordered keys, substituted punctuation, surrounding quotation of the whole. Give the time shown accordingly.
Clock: {"hour": 3, "minute": 5}
